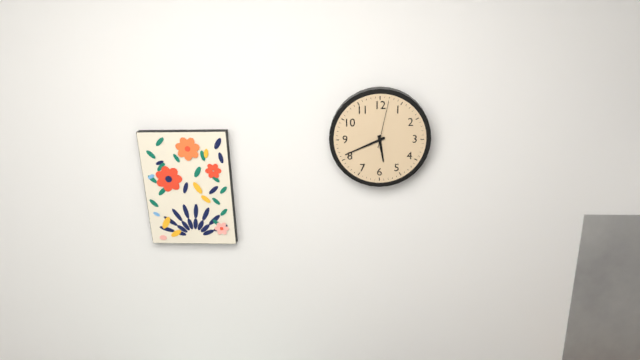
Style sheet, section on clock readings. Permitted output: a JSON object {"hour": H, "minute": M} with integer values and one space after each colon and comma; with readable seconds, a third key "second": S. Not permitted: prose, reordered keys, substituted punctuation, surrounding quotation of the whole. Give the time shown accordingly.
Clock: {"hour": 5, "minute": 41}
